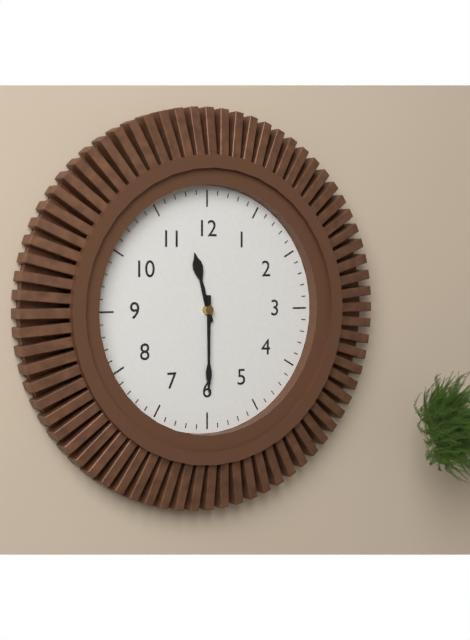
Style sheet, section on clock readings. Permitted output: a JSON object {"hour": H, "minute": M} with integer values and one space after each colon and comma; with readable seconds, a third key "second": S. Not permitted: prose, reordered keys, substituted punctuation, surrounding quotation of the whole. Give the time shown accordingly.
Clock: {"hour": 11, "minute": 30}
